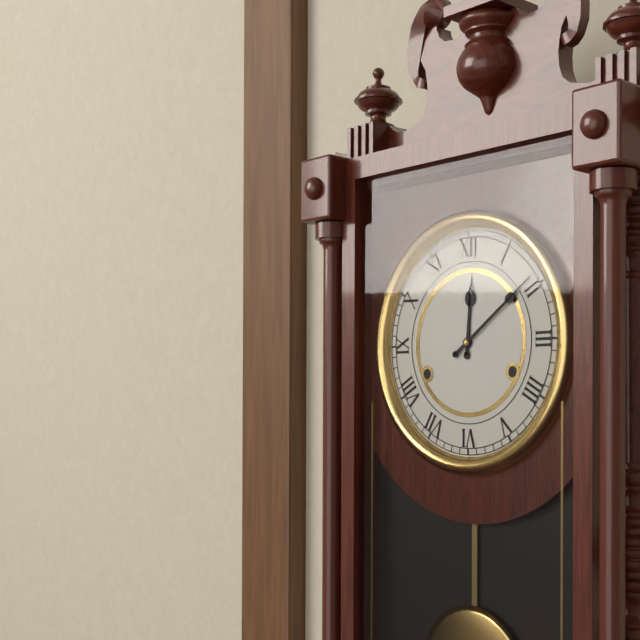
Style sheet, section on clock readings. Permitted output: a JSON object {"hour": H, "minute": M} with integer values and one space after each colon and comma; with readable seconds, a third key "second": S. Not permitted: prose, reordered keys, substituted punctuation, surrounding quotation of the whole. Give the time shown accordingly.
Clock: {"hour": 12, "minute": 9}
